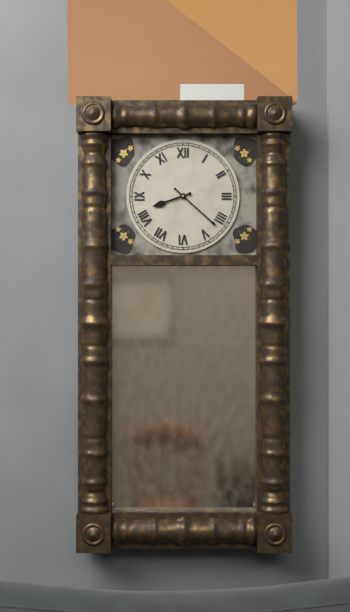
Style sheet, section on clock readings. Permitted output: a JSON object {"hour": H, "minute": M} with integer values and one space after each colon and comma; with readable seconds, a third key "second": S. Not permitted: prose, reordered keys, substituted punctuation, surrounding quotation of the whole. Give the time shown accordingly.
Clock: {"hour": 8, "minute": 22}
